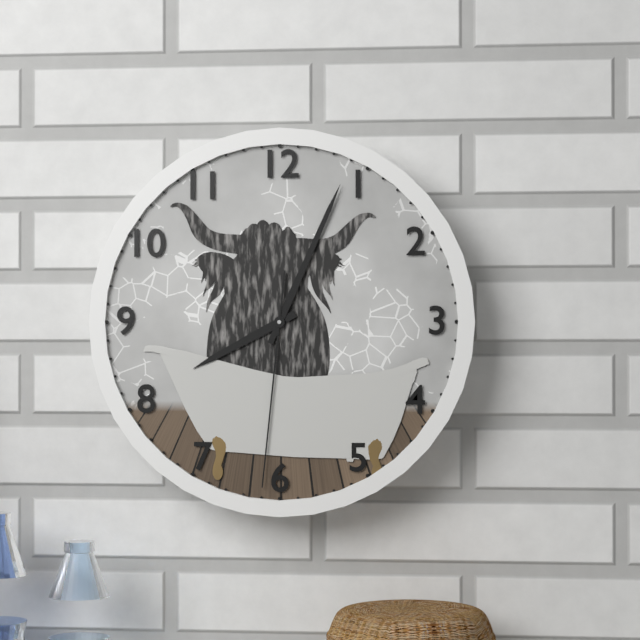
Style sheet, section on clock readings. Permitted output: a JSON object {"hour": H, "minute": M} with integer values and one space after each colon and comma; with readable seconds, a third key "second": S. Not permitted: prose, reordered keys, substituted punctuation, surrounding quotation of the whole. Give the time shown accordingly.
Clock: {"hour": 8, "minute": 4, "second": 31}
